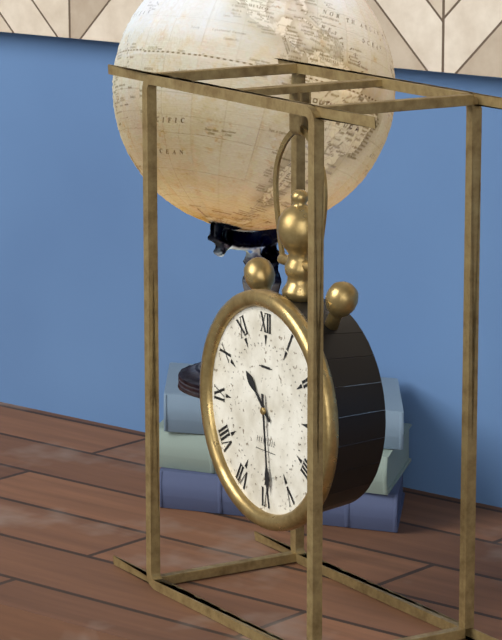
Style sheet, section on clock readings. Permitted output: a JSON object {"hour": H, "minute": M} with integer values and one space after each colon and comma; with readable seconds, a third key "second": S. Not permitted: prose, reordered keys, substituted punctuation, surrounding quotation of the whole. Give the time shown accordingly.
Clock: {"hour": 10, "minute": 29}
